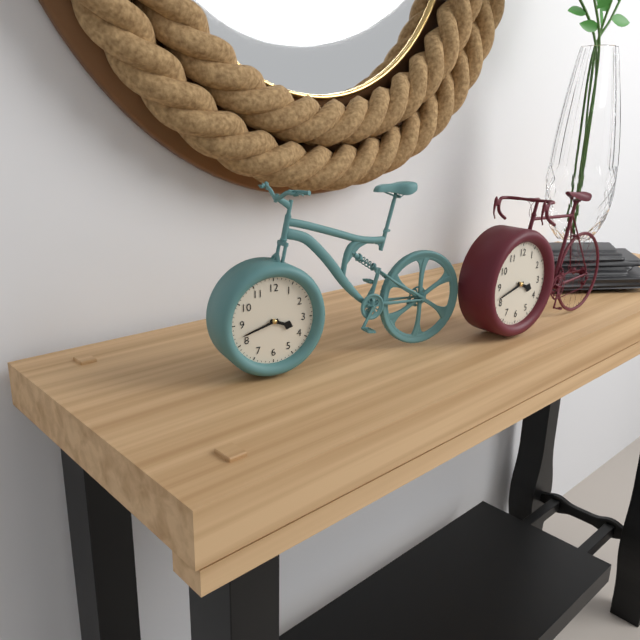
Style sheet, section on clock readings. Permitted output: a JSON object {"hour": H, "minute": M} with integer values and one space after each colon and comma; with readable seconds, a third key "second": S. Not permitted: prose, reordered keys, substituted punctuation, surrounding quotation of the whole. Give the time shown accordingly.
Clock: {"hour": 3, "minute": 42}
